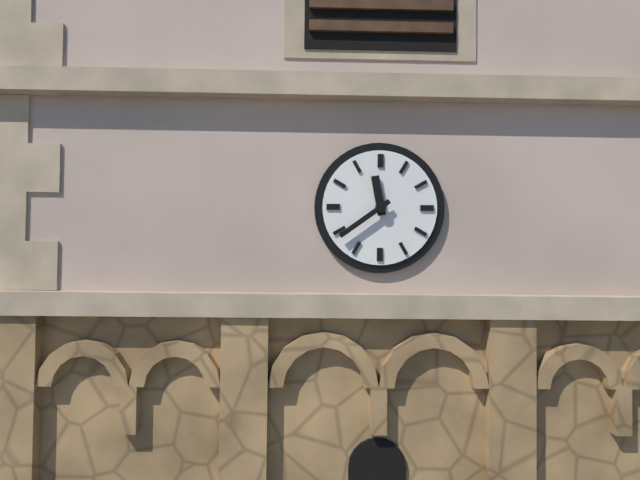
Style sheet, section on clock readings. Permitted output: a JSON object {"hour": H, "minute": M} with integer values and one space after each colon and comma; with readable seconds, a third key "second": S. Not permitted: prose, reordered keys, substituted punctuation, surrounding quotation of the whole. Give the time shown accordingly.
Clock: {"hour": 11, "minute": 39}
